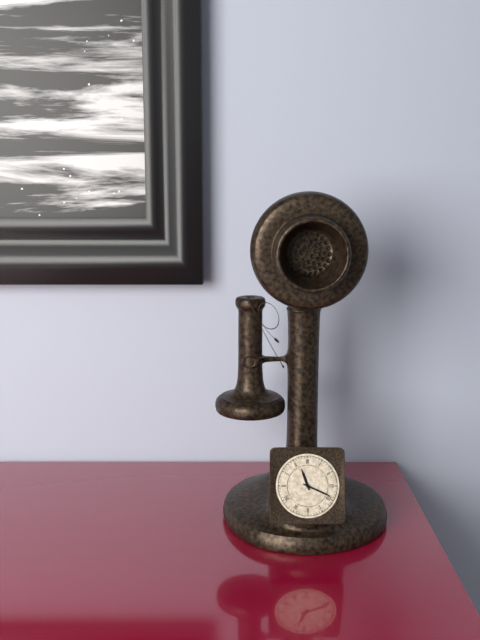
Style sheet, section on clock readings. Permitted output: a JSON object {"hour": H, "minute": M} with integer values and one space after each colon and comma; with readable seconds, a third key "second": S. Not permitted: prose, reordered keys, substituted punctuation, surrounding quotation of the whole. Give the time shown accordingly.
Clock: {"hour": 11, "minute": 19}
